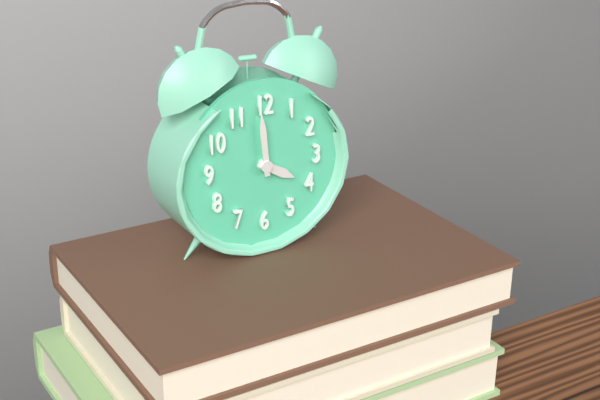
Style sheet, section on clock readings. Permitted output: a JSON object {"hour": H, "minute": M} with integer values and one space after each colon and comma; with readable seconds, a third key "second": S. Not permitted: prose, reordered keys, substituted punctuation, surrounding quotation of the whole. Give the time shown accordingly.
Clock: {"hour": 3, "minute": 59}
